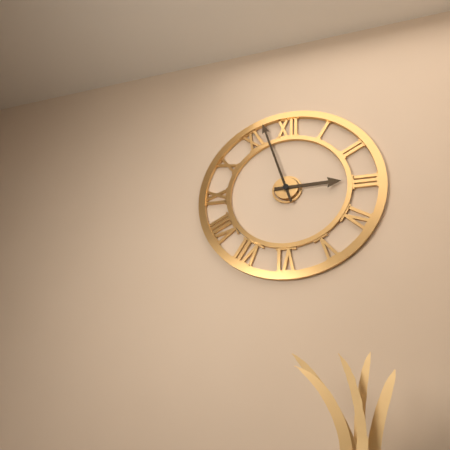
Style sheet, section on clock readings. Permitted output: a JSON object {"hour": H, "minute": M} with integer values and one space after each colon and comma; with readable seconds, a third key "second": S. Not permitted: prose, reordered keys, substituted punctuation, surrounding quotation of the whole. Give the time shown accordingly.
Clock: {"hour": 2, "minute": 57}
